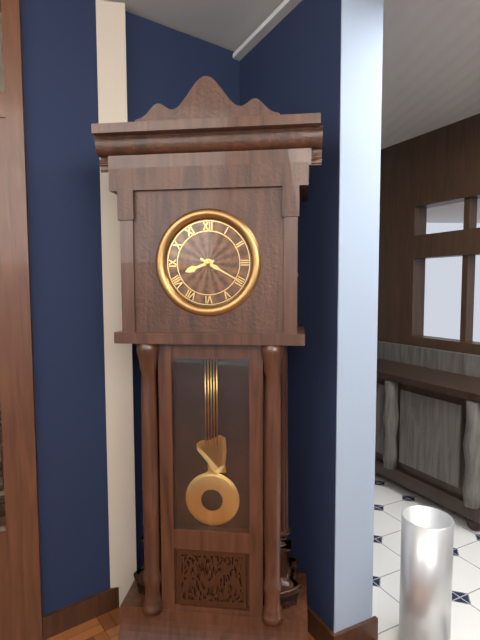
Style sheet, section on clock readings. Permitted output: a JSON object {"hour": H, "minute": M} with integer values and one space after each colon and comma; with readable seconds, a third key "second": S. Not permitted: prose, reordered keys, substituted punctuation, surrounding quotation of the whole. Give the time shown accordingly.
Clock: {"hour": 8, "minute": 20}
